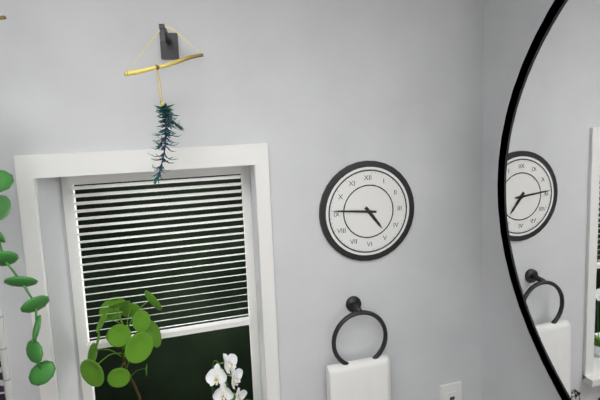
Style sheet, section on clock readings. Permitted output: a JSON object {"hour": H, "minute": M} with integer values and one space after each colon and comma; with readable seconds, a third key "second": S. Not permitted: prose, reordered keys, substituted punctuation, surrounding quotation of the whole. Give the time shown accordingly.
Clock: {"hour": 4, "minute": 46}
